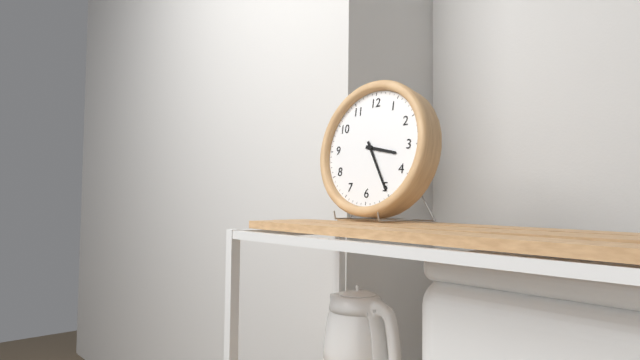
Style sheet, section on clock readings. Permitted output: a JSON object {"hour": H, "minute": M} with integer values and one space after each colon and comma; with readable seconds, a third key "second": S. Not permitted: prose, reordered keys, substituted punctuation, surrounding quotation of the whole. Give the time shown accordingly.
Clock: {"hour": 3, "minute": 25}
